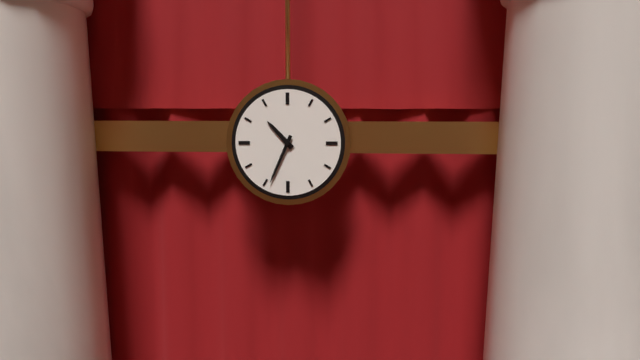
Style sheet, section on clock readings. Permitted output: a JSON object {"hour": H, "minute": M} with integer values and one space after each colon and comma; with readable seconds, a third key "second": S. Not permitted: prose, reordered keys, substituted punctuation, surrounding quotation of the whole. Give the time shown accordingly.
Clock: {"hour": 10, "minute": 34}
